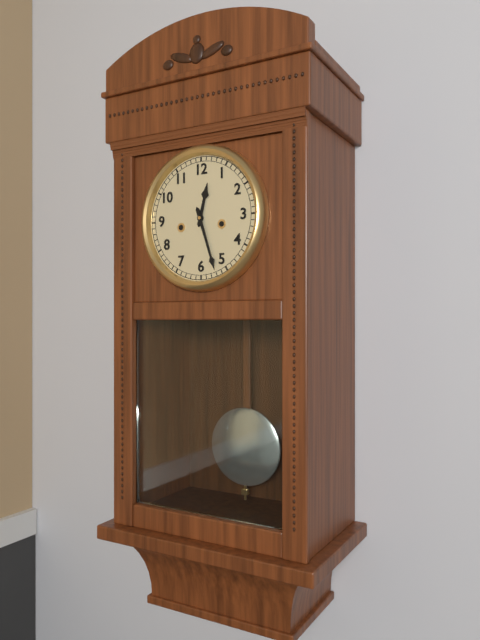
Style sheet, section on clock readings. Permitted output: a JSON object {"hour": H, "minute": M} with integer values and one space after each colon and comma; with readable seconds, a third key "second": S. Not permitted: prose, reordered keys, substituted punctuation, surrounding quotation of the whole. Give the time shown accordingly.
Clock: {"hour": 12, "minute": 27}
